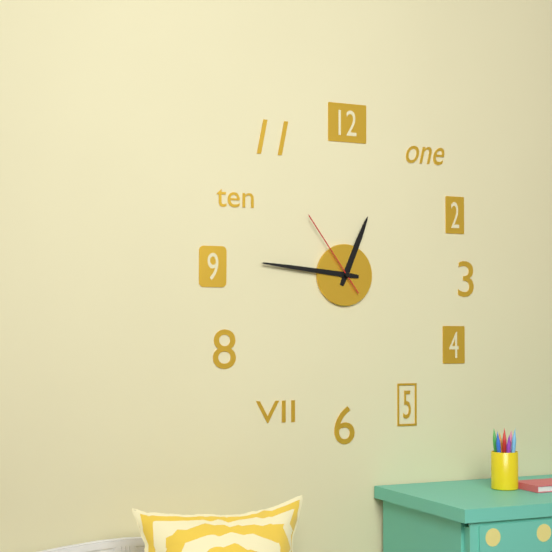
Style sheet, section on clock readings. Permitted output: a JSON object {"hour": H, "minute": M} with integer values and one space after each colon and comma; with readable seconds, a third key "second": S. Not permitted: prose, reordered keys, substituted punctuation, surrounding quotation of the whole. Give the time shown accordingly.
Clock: {"hour": 12, "minute": 46, "second": 54}
